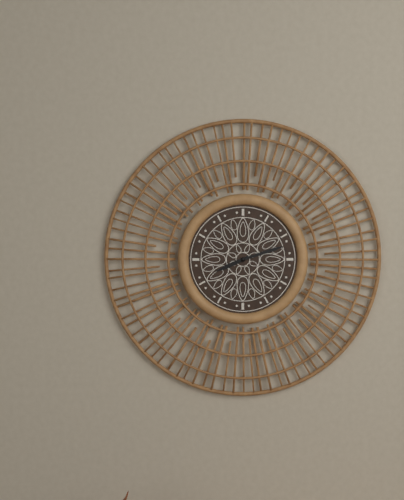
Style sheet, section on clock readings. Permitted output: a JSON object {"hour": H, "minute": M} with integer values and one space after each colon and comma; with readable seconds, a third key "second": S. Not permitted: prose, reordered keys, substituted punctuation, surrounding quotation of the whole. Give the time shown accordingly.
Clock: {"hour": 8, "minute": 12}
